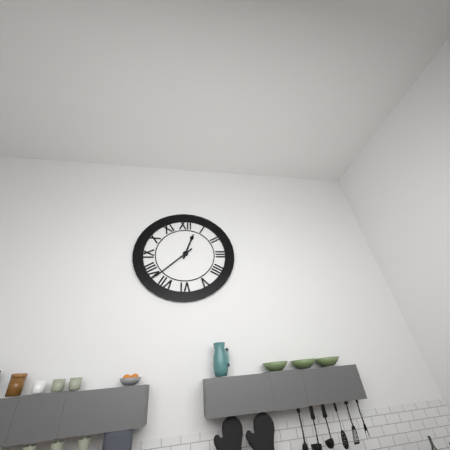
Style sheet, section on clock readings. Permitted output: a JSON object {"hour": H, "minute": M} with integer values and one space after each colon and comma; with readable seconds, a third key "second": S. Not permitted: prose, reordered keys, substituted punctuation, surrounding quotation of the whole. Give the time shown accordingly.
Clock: {"hour": 12, "minute": 38}
